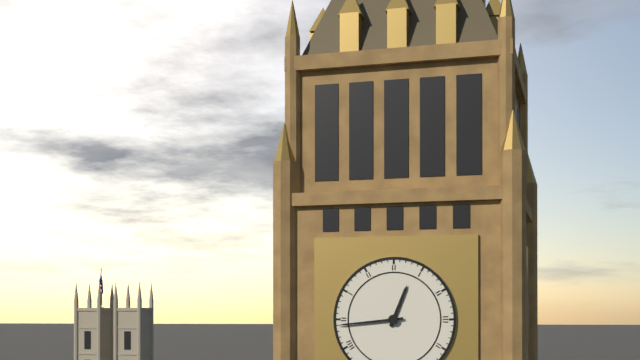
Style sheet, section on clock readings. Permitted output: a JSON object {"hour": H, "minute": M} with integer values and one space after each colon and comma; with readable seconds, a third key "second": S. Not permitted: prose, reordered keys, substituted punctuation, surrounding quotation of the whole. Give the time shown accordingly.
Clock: {"hour": 12, "minute": 44}
